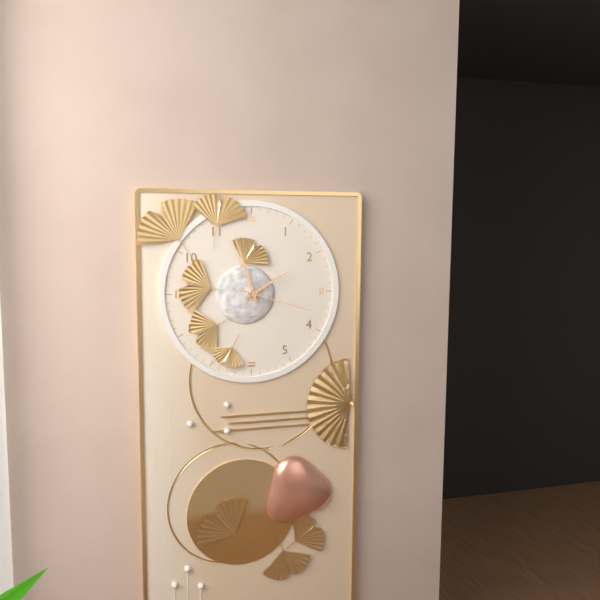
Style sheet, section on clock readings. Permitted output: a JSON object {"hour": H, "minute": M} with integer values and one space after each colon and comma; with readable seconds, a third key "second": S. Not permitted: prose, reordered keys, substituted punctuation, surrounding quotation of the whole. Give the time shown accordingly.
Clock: {"hour": 1, "minute": 57, "second": 18}
